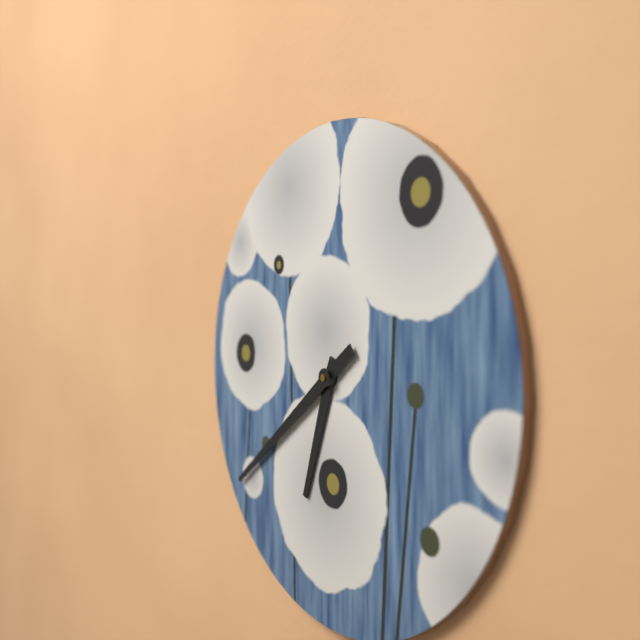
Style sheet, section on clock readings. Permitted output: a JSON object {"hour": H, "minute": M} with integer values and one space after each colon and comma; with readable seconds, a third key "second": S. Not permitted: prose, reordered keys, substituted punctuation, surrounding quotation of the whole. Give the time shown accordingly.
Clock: {"hour": 6, "minute": 39}
